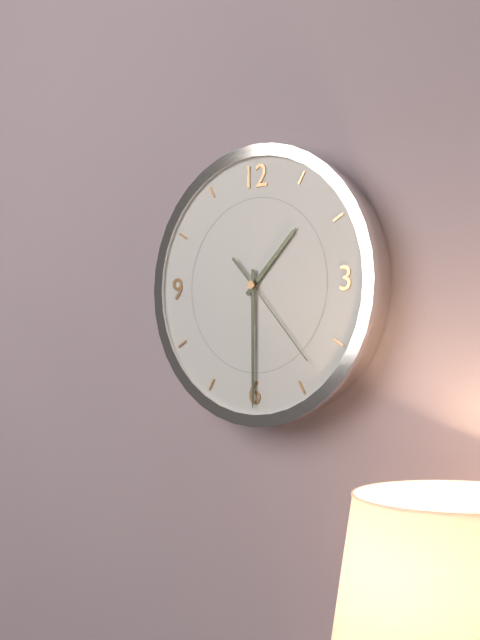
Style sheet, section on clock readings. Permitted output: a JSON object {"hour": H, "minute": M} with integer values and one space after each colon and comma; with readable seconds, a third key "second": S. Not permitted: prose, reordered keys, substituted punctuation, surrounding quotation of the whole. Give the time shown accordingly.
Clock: {"hour": 1, "minute": 30, "second": 23}
